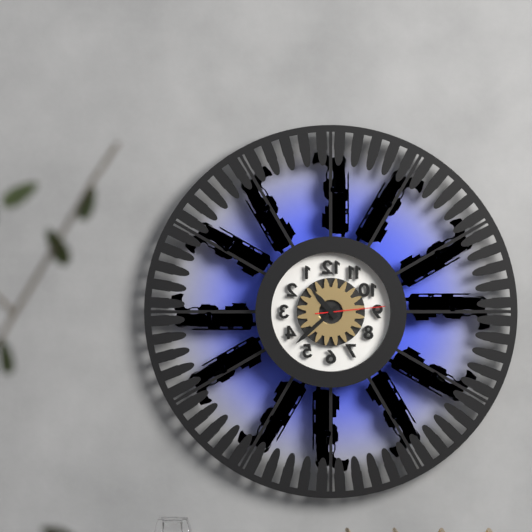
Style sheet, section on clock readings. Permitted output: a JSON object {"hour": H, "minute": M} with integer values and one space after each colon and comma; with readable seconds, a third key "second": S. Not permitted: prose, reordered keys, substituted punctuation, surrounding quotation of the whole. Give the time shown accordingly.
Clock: {"hour": 10, "minute": 38, "second": 14}
